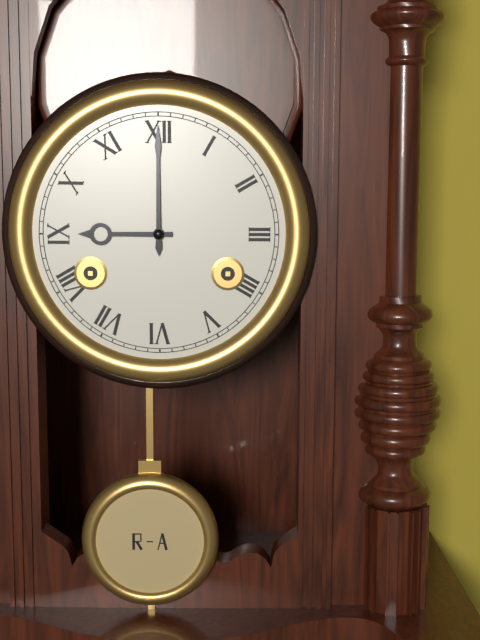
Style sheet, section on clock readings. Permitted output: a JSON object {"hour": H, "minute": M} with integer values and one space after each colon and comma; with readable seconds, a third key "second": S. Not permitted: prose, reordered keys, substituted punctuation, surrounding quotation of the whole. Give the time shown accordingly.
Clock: {"hour": 9, "minute": 0}
